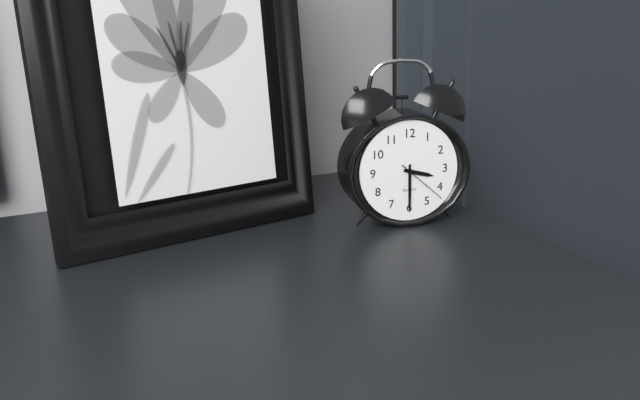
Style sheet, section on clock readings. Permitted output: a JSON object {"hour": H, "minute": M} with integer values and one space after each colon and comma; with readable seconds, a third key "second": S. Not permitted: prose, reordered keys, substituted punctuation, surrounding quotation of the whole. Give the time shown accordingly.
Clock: {"hour": 3, "minute": 30, "second": 22}
